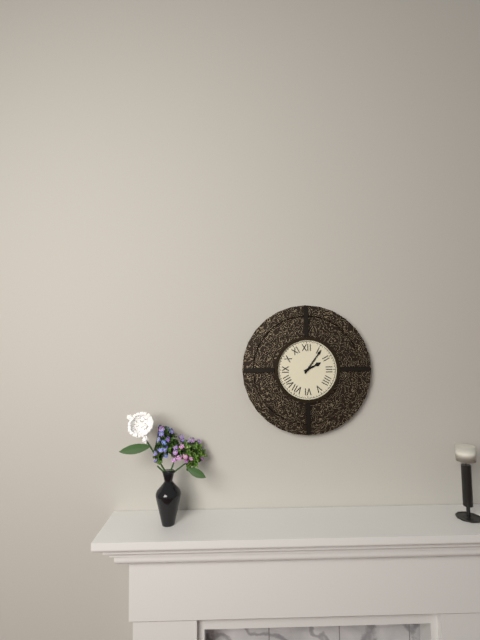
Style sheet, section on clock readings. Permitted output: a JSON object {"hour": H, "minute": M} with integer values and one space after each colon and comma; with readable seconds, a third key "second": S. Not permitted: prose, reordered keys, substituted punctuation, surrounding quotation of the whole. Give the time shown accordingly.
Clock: {"hour": 2, "minute": 6}
